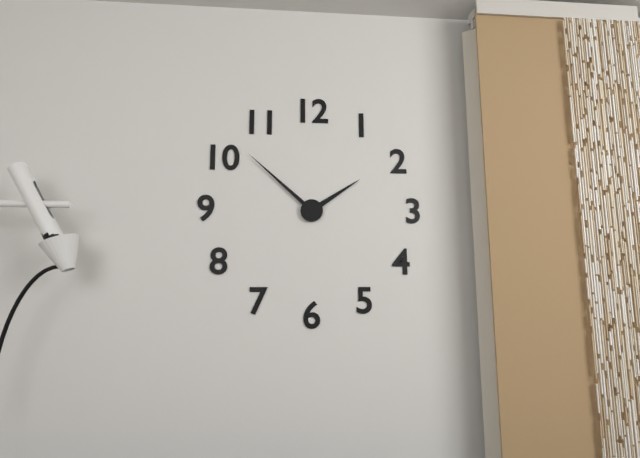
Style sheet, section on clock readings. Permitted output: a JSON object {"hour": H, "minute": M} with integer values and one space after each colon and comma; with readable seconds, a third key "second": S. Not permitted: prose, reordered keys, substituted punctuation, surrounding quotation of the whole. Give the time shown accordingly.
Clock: {"hour": 1, "minute": 52}
